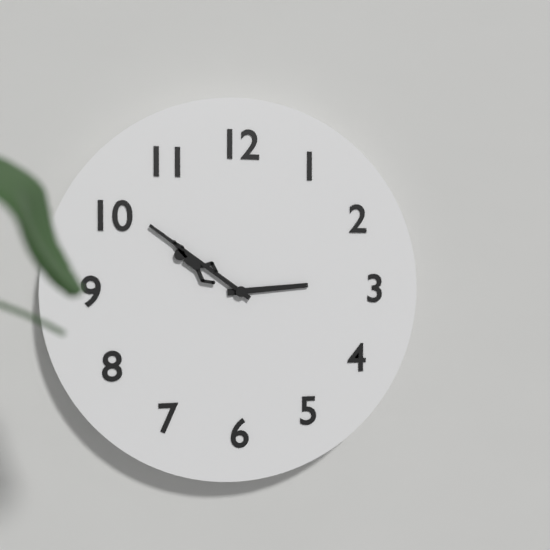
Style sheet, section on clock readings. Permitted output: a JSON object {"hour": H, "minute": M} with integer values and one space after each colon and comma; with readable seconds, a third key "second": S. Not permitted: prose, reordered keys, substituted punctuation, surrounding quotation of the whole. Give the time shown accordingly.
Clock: {"hour": 2, "minute": 51}
